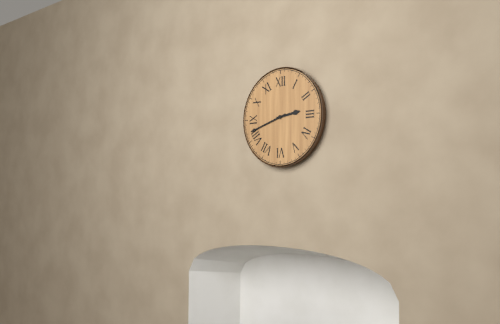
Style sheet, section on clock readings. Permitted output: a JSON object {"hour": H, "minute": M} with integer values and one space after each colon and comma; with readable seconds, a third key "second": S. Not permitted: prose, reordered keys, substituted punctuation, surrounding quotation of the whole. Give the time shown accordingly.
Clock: {"hour": 2, "minute": 42}
